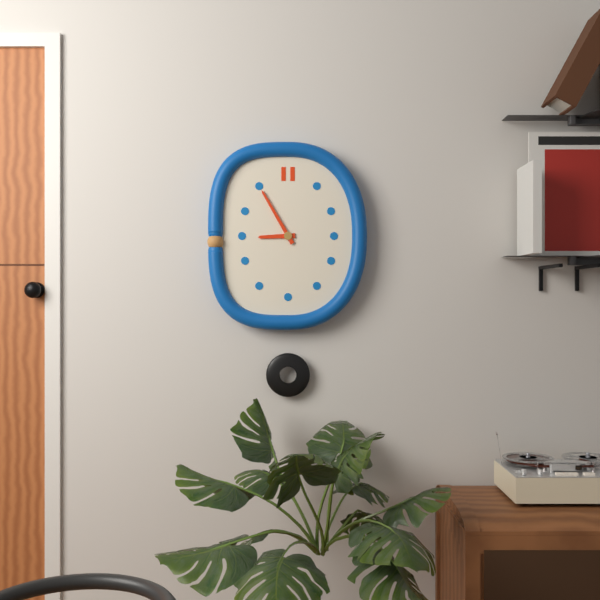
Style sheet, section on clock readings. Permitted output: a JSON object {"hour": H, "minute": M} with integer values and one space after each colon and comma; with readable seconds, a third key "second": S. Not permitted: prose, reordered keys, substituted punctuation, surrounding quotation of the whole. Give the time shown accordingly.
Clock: {"hour": 8, "minute": 55}
